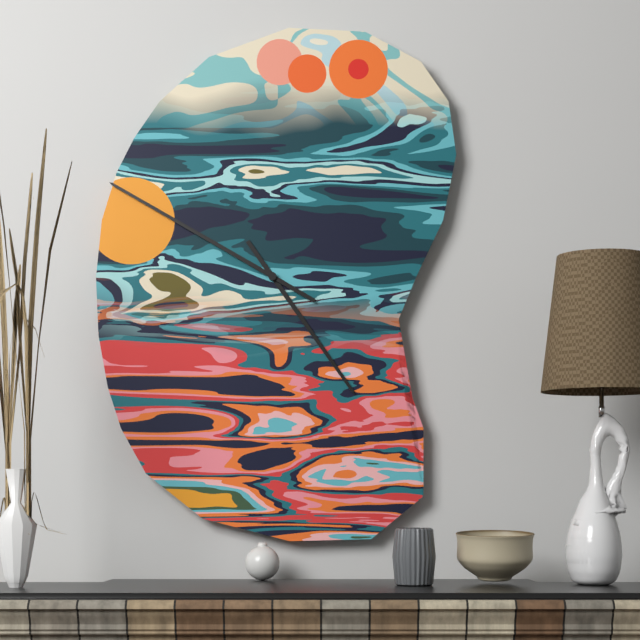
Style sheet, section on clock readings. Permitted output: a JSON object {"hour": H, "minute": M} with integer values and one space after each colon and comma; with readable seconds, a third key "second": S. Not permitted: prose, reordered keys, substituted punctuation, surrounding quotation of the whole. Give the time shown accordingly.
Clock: {"hour": 4, "minute": 50}
